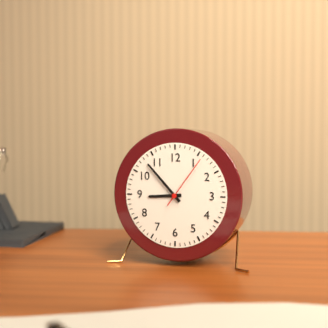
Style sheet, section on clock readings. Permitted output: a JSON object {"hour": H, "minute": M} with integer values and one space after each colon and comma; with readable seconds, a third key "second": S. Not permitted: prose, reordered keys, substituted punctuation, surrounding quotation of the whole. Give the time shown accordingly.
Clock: {"hour": 8, "minute": 53, "second": 6}
